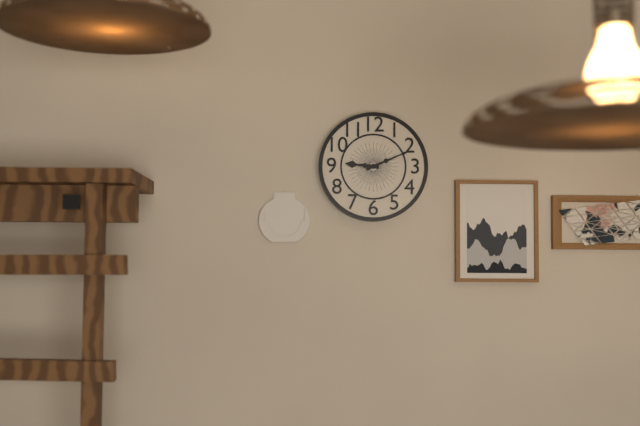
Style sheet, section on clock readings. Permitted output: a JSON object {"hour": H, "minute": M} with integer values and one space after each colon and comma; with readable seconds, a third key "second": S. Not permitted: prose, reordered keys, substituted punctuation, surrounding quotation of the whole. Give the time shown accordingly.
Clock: {"hour": 9, "minute": 11}
